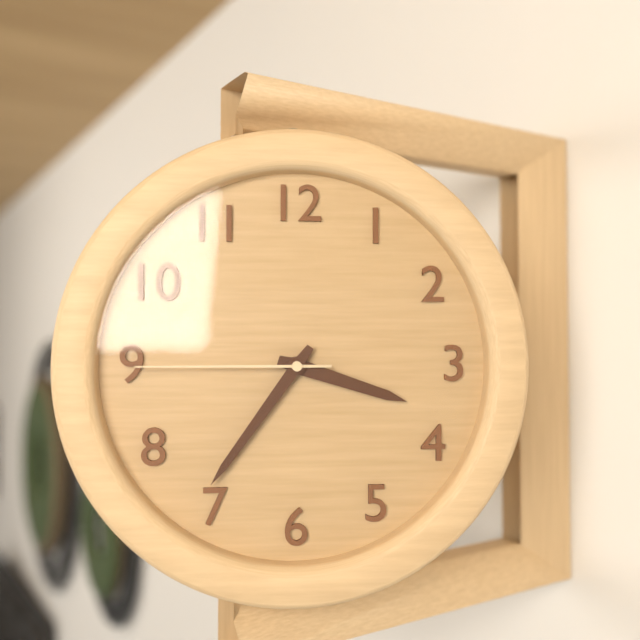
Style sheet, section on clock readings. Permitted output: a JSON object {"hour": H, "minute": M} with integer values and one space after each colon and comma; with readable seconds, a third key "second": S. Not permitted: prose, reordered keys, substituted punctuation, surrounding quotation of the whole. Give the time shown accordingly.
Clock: {"hour": 3, "minute": 36, "second": 45}
